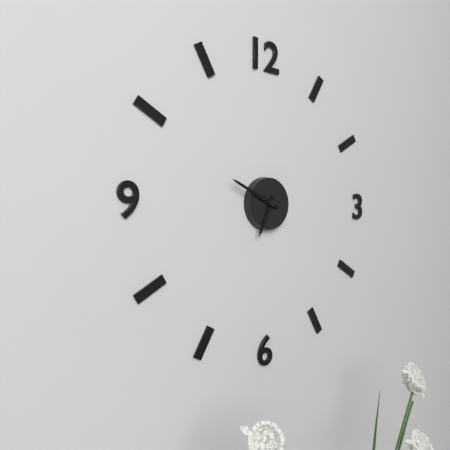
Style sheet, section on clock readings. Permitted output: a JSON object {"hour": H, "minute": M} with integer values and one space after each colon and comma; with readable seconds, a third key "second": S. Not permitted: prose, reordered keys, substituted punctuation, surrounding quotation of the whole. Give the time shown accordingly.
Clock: {"hour": 6, "minute": 49}
